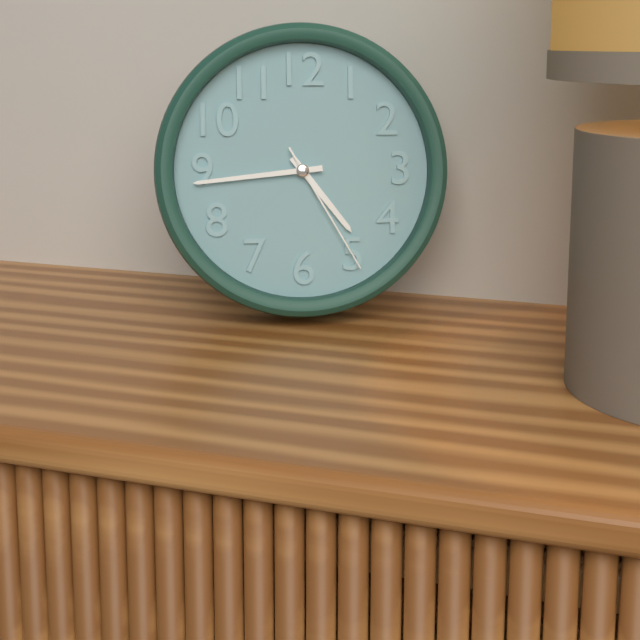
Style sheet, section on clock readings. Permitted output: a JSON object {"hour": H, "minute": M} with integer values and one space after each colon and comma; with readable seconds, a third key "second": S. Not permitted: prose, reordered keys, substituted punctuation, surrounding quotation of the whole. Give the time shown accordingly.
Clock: {"hour": 4, "minute": 44, "second": 25}
